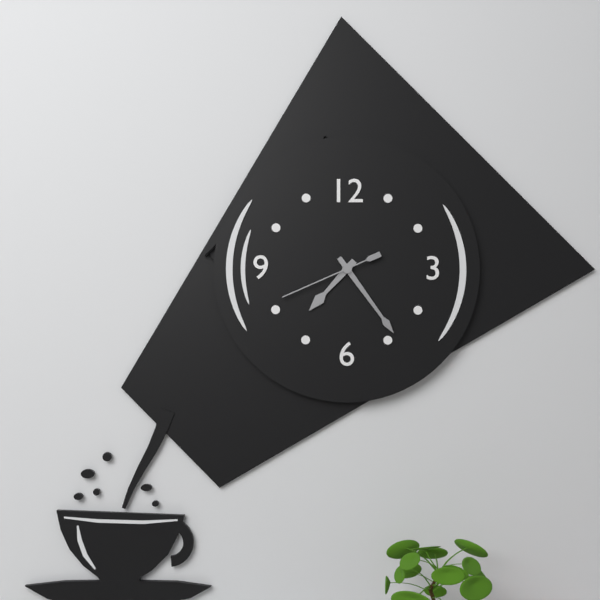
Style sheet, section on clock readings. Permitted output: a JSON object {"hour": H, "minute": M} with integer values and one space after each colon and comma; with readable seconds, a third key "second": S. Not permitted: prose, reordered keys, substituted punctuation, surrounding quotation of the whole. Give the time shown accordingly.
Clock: {"hour": 7, "minute": 24, "second": 41}
